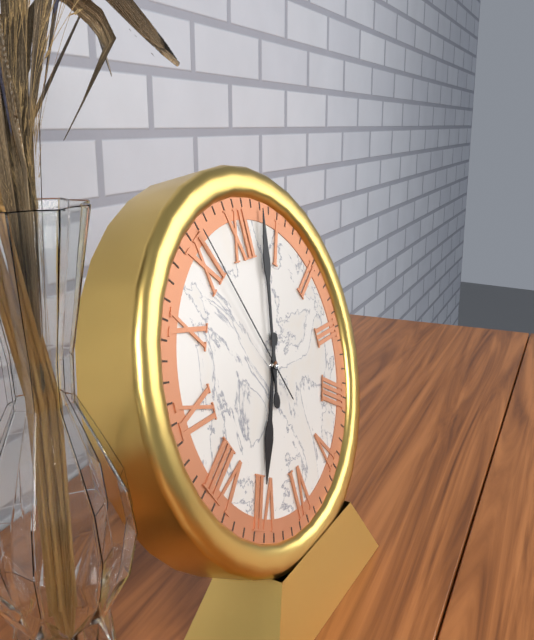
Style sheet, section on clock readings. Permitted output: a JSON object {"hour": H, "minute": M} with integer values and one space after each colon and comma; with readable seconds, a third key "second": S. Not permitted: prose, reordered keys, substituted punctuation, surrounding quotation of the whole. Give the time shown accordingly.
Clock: {"hour": 7, "minute": 3, "second": 56}
